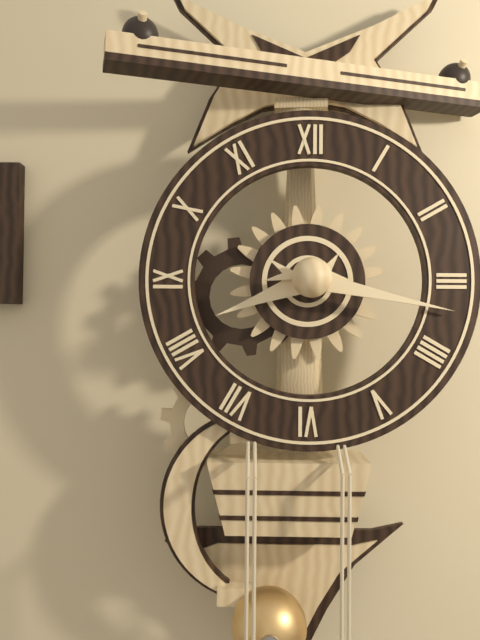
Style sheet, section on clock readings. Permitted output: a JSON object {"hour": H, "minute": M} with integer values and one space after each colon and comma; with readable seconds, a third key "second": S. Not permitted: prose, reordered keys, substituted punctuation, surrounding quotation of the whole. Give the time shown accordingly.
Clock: {"hour": 8, "minute": 17}
